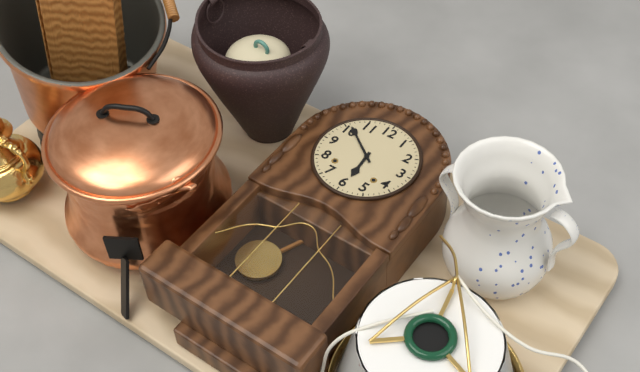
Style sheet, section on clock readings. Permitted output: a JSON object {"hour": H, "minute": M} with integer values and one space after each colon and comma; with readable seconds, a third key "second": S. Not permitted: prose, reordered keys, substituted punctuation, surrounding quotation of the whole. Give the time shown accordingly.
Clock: {"hour": 5, "minute": 51}
